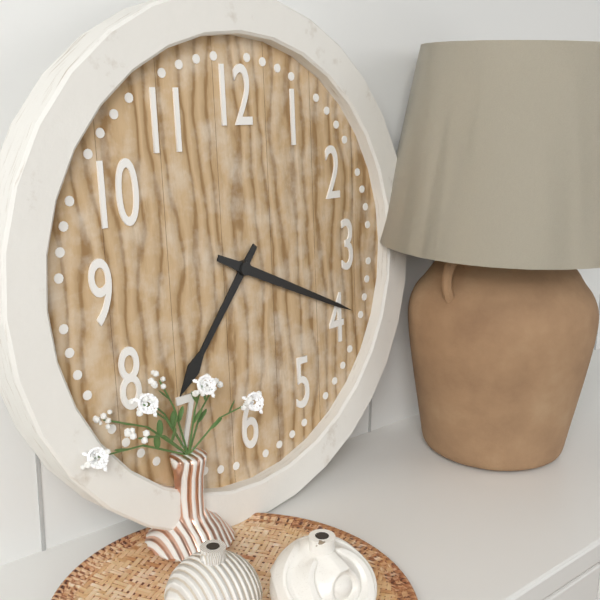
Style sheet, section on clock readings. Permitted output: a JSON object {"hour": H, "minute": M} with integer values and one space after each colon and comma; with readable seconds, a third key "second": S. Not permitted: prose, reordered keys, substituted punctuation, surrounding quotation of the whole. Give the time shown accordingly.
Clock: {"hour": 7, "minute": 19}
